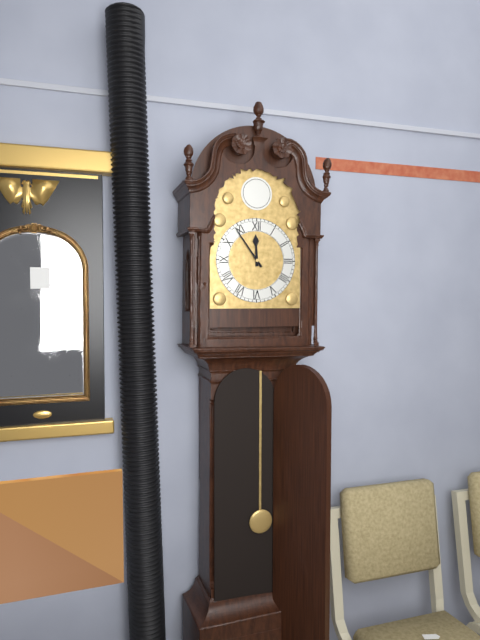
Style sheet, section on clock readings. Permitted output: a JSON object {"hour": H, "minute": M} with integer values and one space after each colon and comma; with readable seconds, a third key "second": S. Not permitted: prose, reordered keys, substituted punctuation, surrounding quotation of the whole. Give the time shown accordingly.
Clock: {"hour": 11, "minute": 54}
